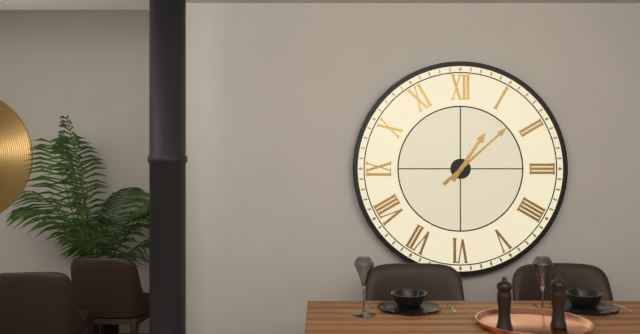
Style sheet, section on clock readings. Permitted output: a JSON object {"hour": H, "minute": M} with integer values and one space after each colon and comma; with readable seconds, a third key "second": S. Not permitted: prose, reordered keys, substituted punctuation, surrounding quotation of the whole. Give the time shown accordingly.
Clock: {"hour": 1, "minute": 8}
